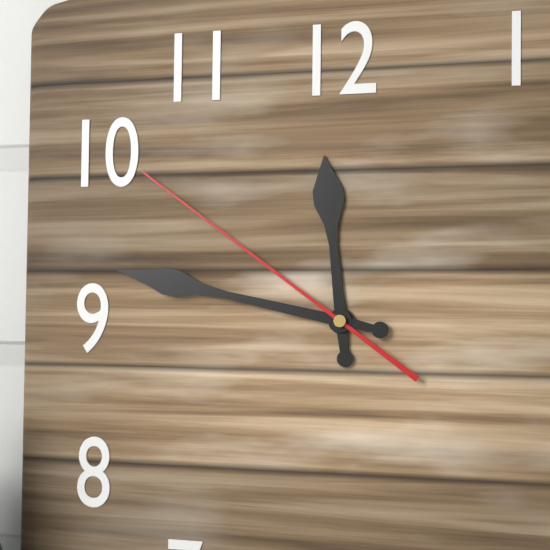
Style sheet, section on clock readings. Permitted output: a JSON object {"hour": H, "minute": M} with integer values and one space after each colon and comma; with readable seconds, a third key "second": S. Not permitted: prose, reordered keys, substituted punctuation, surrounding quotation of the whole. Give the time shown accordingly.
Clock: {"hour": 11, "minute": 47, "second": 51}
